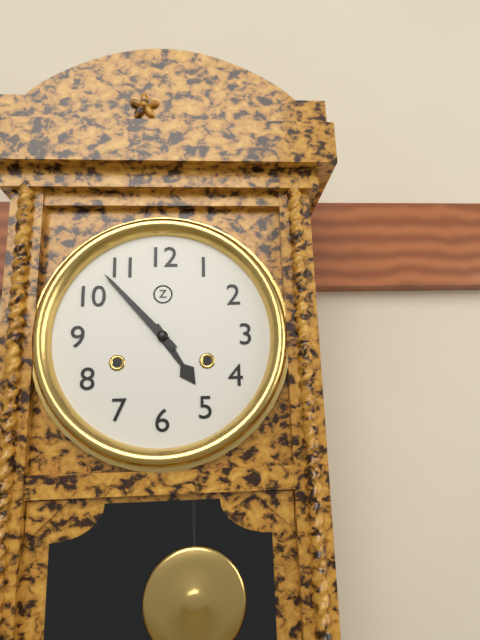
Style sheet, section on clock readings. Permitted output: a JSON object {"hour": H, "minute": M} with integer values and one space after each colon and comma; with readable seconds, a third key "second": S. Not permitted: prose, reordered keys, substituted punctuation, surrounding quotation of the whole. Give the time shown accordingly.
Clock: {"hour": 4, "minute": 53}
